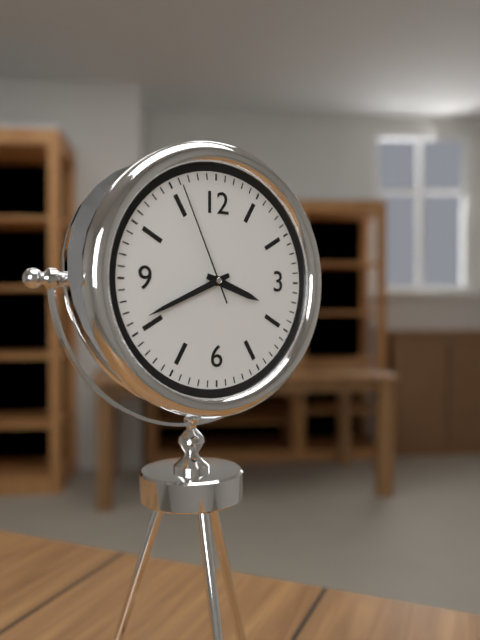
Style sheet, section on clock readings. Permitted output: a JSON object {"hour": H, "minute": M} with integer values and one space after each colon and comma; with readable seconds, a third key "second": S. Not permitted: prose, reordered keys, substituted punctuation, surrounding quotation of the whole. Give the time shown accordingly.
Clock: {"hour": 3, "minute": 41, "second": 56}
